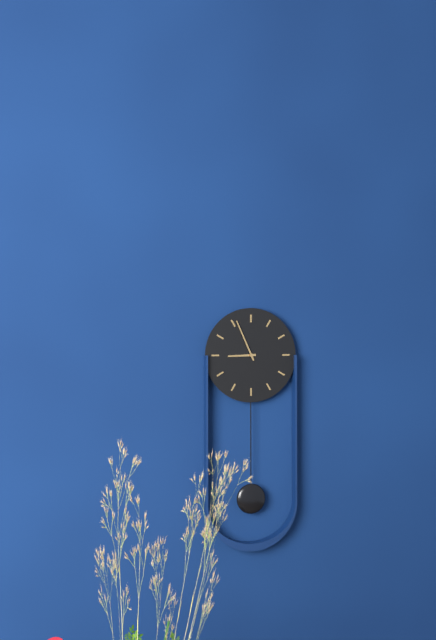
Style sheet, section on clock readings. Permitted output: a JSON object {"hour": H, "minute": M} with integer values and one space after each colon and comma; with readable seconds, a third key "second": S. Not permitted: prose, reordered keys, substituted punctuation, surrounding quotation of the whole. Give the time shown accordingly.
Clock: {"hour": 8, "minute": 56}
